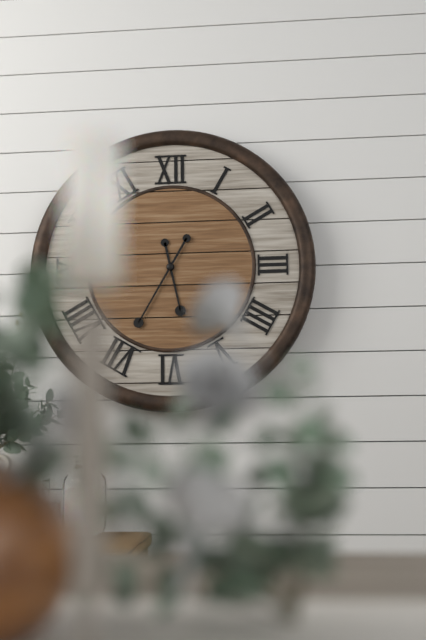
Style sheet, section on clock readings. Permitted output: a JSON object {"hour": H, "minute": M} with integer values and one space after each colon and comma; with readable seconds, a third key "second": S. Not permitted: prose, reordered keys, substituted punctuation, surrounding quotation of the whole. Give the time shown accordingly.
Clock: {"hour": 5, "minute": 35}
